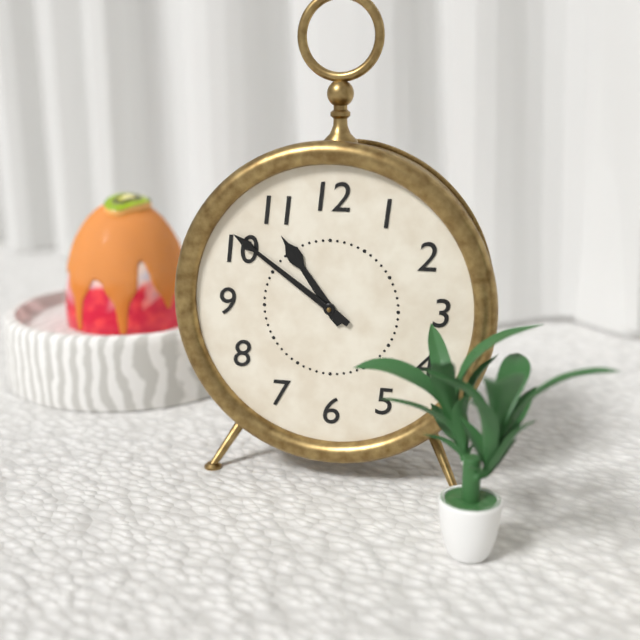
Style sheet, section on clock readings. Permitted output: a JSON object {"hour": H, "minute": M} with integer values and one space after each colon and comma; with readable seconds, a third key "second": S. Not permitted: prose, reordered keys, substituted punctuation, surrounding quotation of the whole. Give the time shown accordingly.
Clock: {"hour": 10, "minute": 51}
